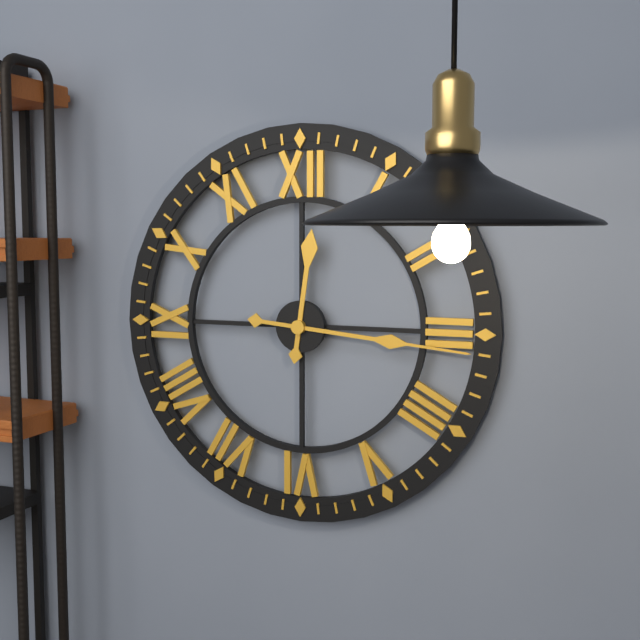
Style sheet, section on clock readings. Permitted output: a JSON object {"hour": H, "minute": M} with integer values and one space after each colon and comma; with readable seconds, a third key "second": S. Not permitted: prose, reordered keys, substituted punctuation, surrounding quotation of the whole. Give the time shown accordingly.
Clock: {"hour": 12, "minute": 16}
